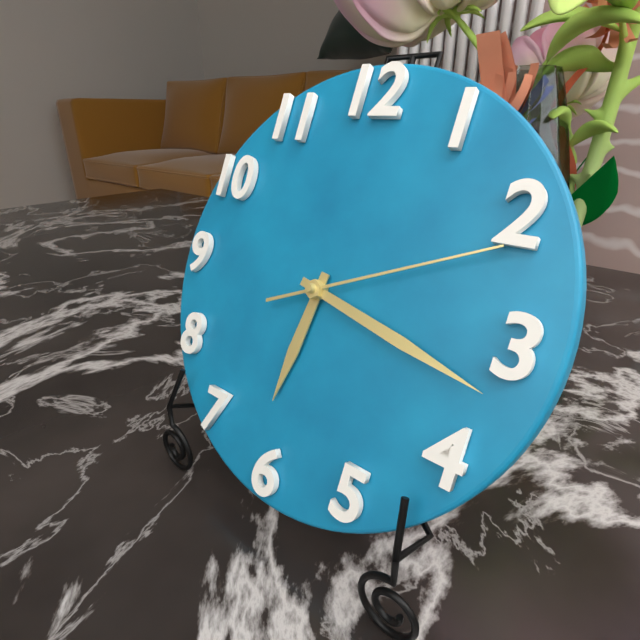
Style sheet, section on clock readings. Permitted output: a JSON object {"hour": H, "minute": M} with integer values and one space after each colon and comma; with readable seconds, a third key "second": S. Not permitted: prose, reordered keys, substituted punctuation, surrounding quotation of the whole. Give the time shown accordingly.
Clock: {"hour": 6, "minute": 17, "second": 11}
